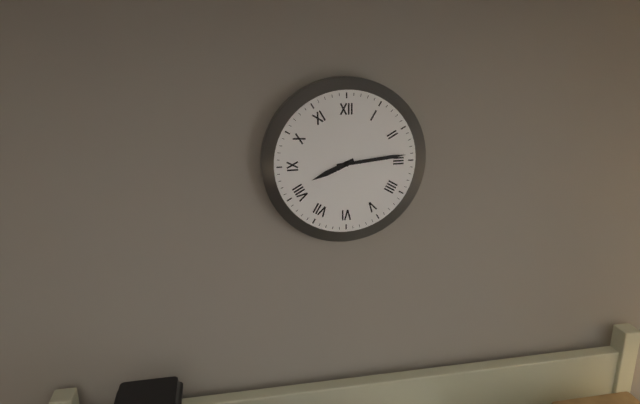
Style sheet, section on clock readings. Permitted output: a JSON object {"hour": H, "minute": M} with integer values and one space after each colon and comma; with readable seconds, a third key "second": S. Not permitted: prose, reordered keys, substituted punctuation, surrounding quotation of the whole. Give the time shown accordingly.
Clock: {"hour": 8, "minute": 14}
